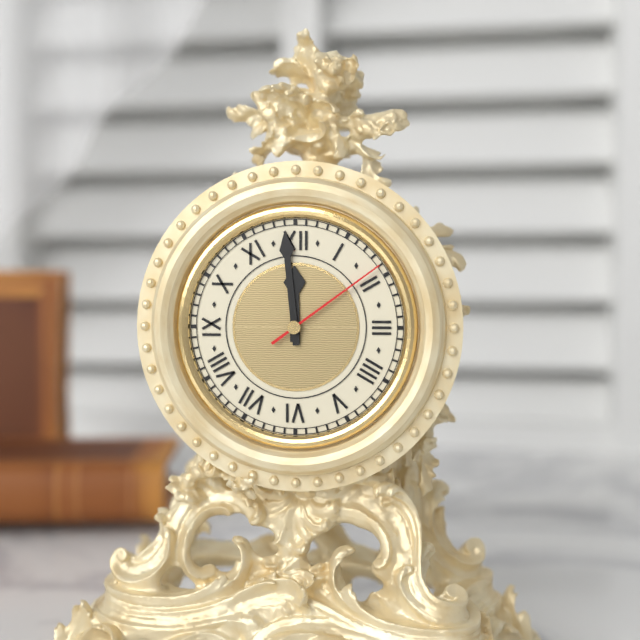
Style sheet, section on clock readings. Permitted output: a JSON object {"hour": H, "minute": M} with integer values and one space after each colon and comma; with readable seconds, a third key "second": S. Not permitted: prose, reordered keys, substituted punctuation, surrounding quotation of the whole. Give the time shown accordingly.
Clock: {"hour": 11, "minute": 59, "second": 9}
